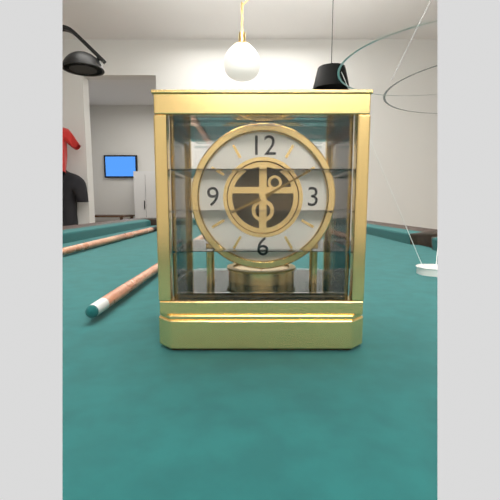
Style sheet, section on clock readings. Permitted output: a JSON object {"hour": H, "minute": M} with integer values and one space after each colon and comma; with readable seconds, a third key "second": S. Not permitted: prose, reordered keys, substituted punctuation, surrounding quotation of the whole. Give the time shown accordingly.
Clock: {"hour": 8, "minute": 10}
